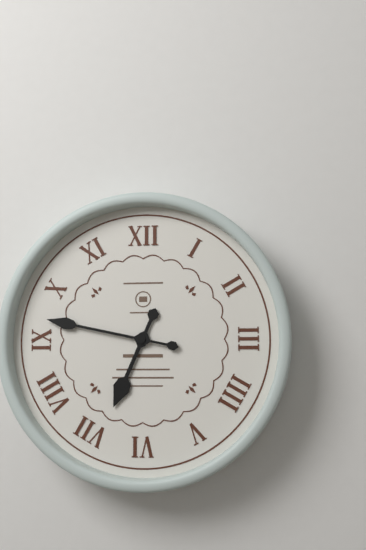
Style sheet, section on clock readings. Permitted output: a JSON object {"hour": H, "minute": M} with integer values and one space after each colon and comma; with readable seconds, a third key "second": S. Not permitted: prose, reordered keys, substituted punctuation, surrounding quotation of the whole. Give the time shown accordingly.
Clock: {"hour": 6, "minute": 47}
